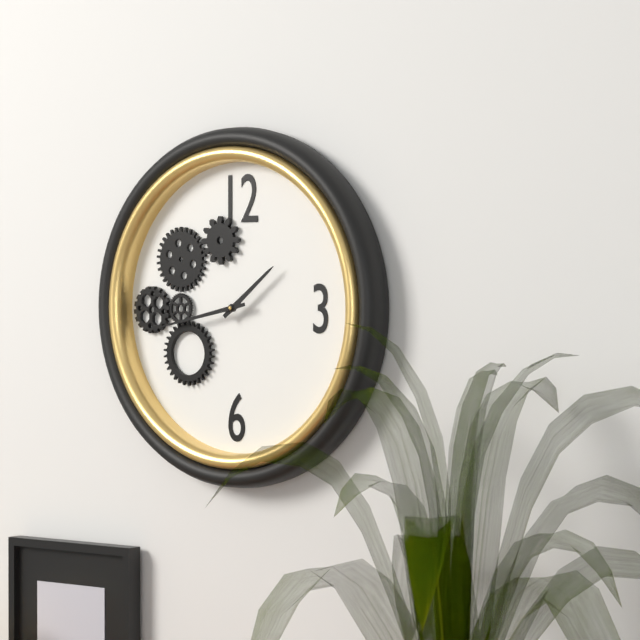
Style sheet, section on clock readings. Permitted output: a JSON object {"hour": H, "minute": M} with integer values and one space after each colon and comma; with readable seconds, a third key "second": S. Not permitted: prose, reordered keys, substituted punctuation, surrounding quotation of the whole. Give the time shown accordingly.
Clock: {"hour": 1, "minute": 43}
